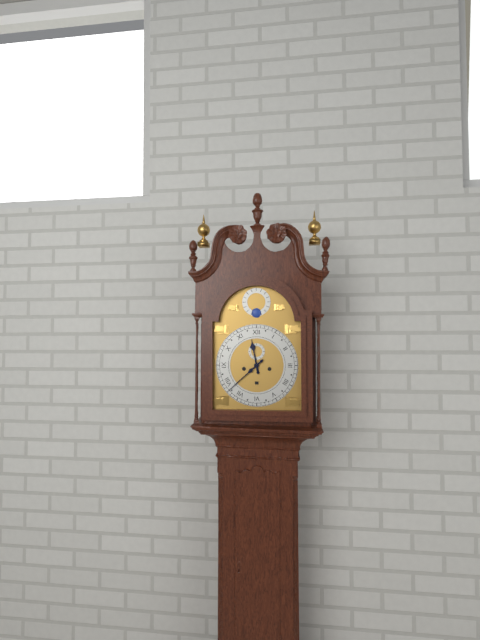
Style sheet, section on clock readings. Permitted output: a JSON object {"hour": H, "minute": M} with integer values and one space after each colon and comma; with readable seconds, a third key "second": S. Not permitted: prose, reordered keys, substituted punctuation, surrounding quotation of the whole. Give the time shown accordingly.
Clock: {"hour": 11, "minute": 38}
